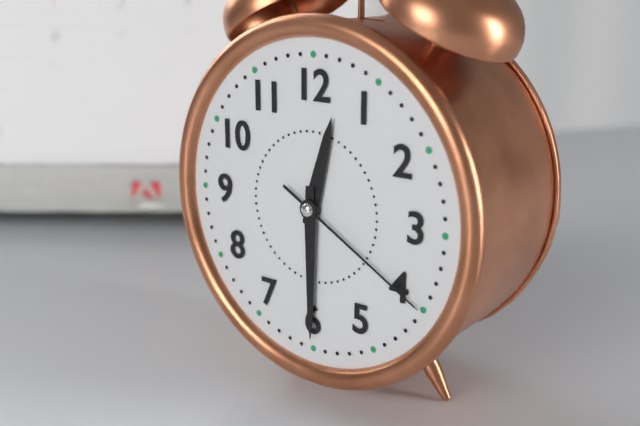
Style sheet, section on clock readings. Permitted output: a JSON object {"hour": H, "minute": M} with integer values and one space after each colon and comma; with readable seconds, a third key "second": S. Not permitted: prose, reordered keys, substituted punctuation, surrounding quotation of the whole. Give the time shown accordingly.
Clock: {"hour": 12, "minute": 30, "second": 20}
